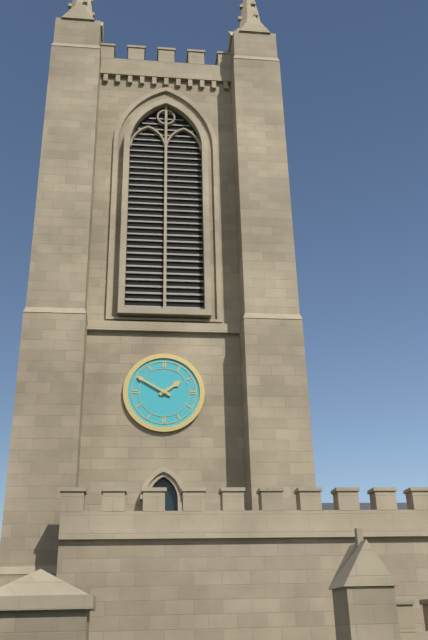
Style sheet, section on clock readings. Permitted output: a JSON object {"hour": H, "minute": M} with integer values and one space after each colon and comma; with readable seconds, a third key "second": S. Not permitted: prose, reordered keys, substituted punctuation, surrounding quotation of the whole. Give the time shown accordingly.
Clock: {"hour": 1, "minute": 50}
